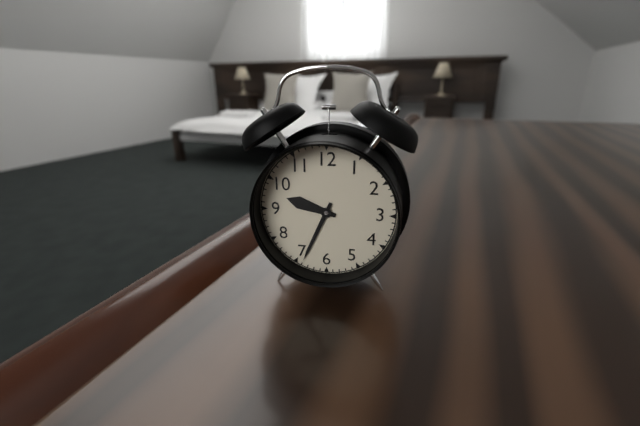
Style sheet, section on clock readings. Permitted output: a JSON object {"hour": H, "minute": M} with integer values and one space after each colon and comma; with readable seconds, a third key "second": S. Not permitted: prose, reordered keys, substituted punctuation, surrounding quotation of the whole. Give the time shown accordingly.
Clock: {"hour": 9, "minute": 34}
